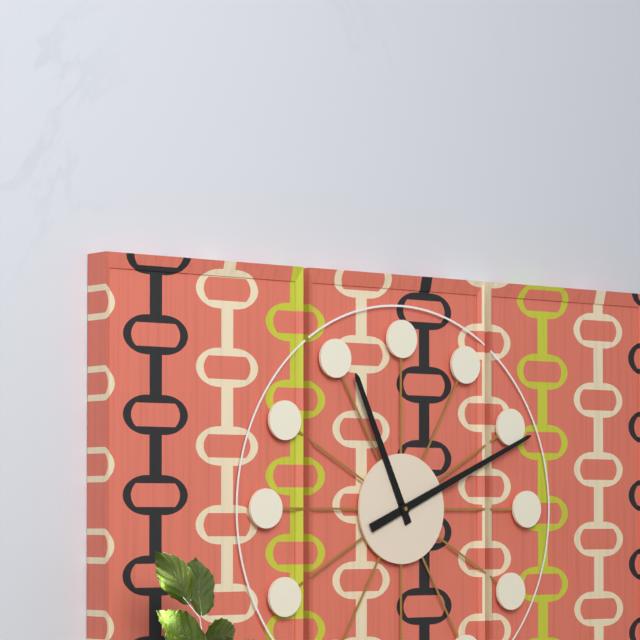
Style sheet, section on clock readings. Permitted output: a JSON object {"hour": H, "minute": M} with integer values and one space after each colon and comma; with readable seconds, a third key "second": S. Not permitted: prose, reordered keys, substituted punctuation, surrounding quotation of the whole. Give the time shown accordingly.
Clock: {"hour": 11, "minute": 11}
